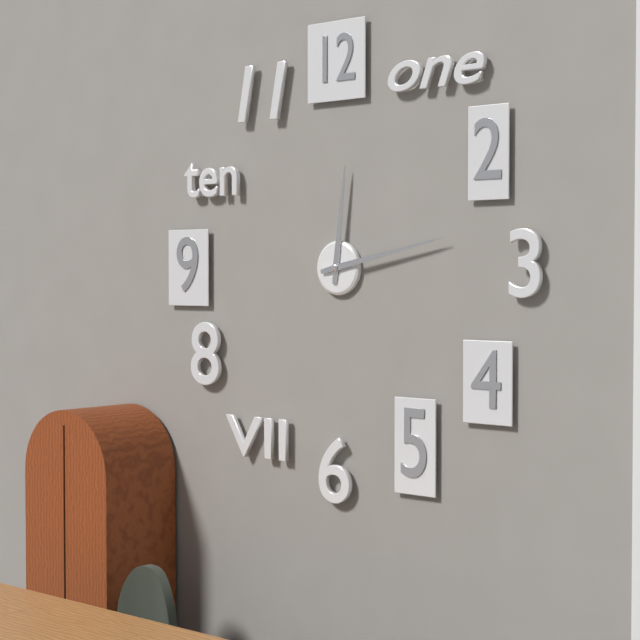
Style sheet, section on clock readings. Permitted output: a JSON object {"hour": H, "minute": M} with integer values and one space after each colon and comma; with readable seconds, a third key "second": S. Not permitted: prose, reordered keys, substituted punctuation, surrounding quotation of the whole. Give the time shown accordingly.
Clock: {"hour": 12, "minute": 13}
